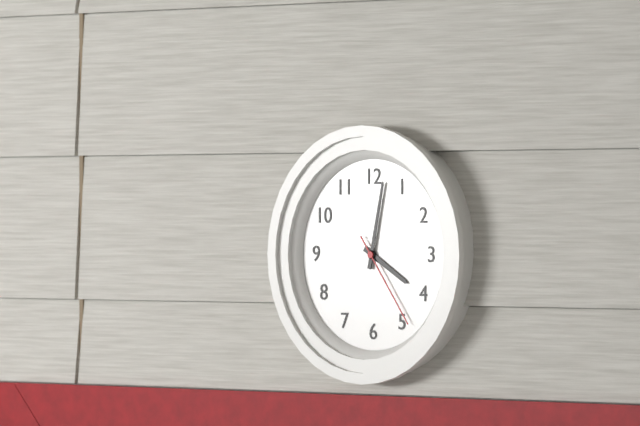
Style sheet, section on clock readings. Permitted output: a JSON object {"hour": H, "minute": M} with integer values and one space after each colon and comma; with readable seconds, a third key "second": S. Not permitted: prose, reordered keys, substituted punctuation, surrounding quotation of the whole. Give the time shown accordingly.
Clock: {"hour": 4, "minute": 2, "second": 24}
